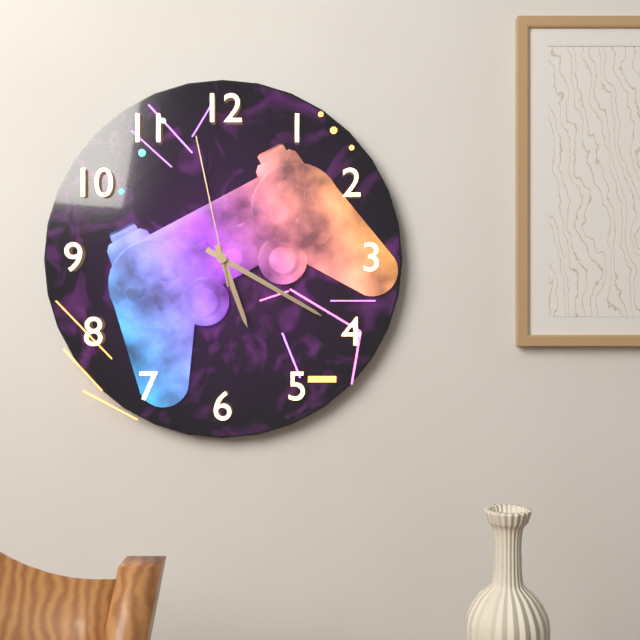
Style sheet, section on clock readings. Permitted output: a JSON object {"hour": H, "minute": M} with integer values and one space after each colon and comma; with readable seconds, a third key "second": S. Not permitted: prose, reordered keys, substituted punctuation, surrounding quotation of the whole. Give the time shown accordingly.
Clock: {"hour": 5, "minute": 20, "second": 58}
